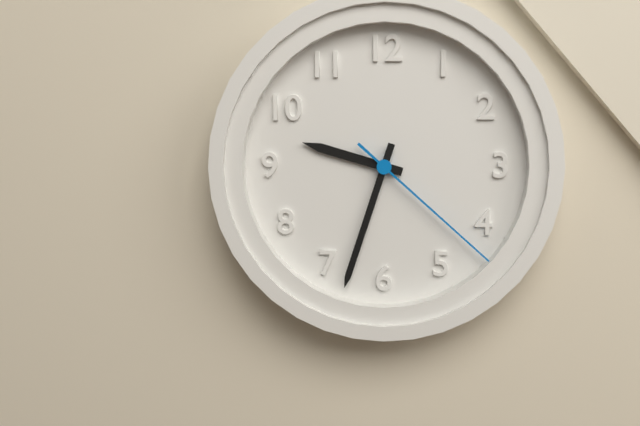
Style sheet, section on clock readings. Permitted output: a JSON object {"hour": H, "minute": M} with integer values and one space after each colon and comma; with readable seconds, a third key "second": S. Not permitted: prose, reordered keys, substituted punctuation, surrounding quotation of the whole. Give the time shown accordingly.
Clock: {"hour": 9, "minute": 33, "second": 22}
